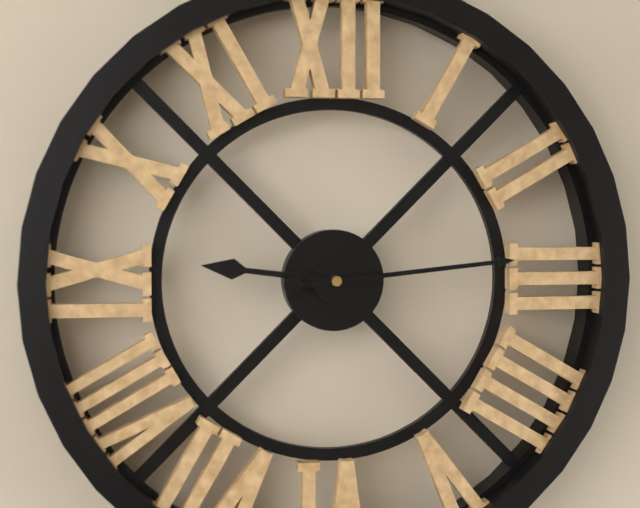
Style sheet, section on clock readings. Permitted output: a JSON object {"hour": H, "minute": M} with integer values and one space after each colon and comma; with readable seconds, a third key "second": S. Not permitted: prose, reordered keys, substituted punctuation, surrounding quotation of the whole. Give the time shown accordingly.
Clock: {"hour": 9, "minute": 14}
